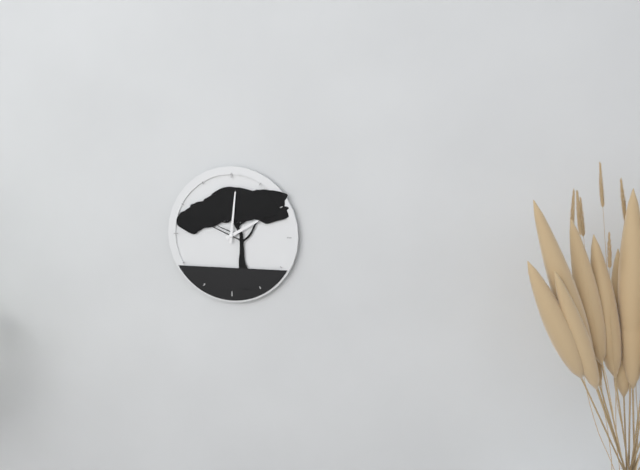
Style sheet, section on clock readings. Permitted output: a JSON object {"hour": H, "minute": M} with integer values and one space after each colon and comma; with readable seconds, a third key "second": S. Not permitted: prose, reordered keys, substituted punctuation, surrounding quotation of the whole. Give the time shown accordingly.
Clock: {"hour": 2, "minute": 1}
